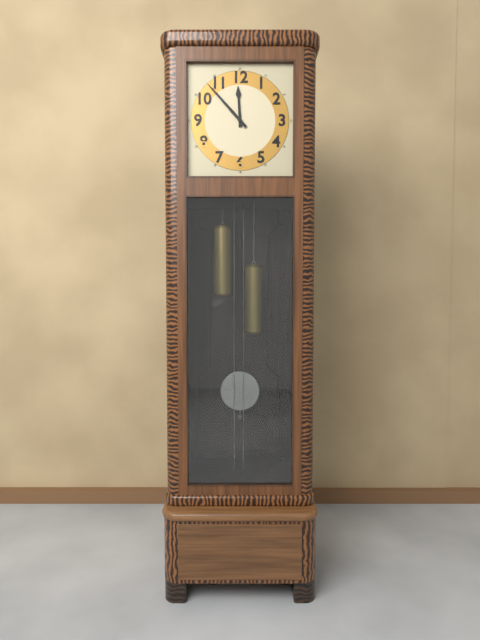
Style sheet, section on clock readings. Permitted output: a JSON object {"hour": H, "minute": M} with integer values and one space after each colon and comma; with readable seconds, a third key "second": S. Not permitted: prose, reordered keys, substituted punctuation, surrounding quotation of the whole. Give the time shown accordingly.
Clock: {"hour": 11, "minute": 53}
